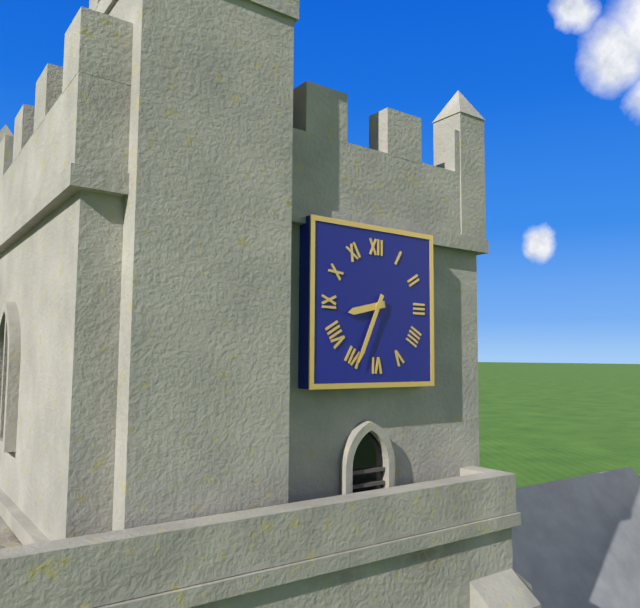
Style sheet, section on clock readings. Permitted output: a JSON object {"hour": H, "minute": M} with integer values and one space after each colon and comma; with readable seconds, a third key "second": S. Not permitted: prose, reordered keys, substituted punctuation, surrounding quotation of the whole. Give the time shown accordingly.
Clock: {"hour": 8, "minute": 34}
